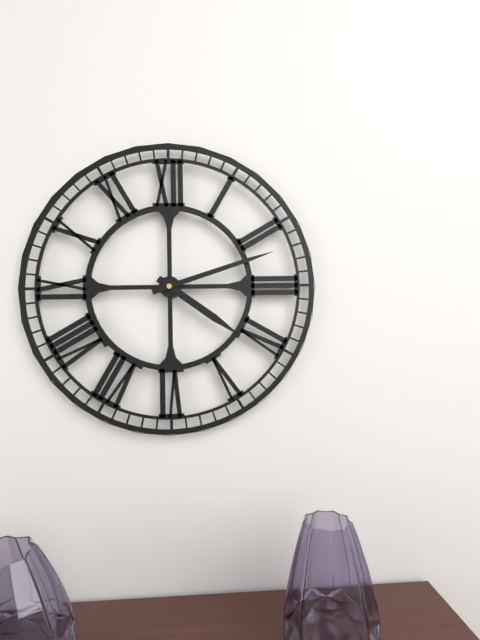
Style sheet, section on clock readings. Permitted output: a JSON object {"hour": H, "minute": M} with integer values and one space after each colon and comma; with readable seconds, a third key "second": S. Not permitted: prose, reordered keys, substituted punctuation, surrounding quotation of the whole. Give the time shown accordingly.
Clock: {"hour": 4, "minute": 12}
